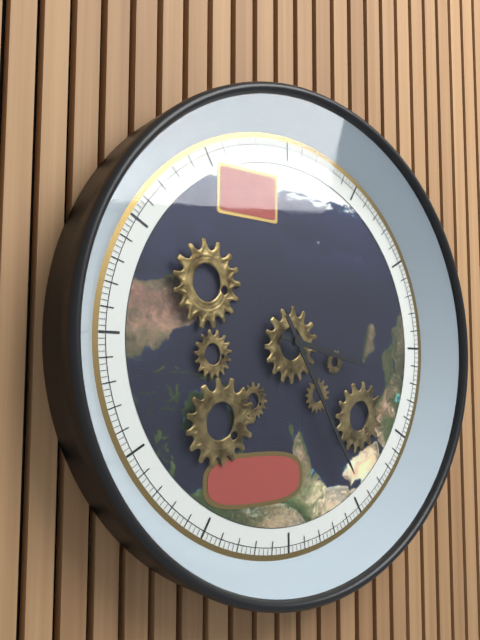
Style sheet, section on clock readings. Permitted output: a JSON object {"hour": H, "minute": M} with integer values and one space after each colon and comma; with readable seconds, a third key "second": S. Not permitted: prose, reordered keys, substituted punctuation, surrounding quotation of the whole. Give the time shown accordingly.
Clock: {"hour": 3, "minute": 25}
